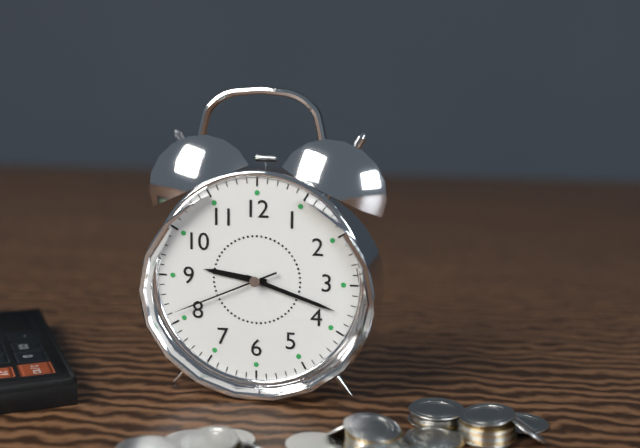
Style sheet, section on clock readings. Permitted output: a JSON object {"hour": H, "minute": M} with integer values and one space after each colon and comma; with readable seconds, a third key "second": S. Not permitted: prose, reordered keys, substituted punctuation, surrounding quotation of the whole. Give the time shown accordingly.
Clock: {"hour": 9, "minute": 18, "second": 41}
